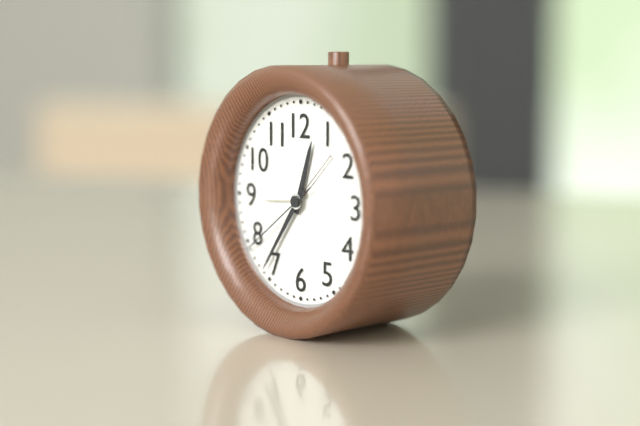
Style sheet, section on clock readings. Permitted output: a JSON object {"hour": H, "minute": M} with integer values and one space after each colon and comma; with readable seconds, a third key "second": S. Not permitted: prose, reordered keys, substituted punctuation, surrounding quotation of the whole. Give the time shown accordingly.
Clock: {"hour": 12, "minute": 36, "second": 39}
